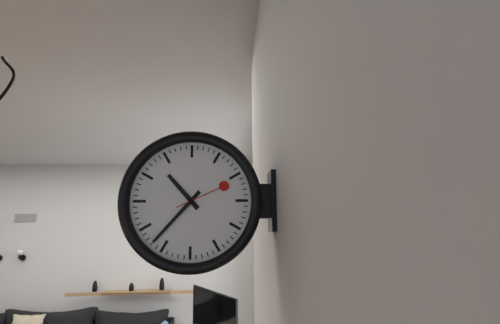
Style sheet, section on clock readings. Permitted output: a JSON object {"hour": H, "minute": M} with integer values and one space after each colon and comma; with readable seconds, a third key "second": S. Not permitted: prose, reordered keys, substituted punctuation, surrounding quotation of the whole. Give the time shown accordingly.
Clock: {"hour": 10, "minute": 37, "second": 11}
